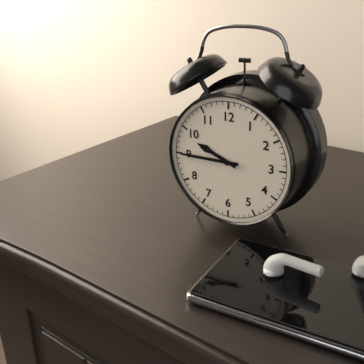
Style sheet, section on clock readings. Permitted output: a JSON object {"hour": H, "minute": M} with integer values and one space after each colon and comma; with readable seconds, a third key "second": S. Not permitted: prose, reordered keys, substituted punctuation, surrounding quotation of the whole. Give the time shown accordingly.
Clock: {"hour": 9, "minute": 45}
